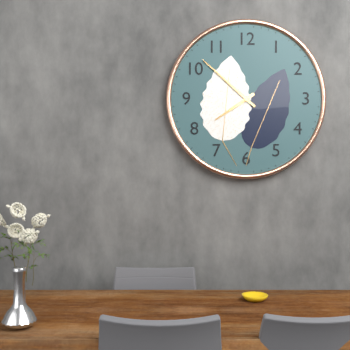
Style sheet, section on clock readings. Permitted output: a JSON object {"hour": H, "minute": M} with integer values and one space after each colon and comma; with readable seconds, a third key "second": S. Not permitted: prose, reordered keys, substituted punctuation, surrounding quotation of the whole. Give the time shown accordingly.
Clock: {"hour": 7, "minute": 52}
